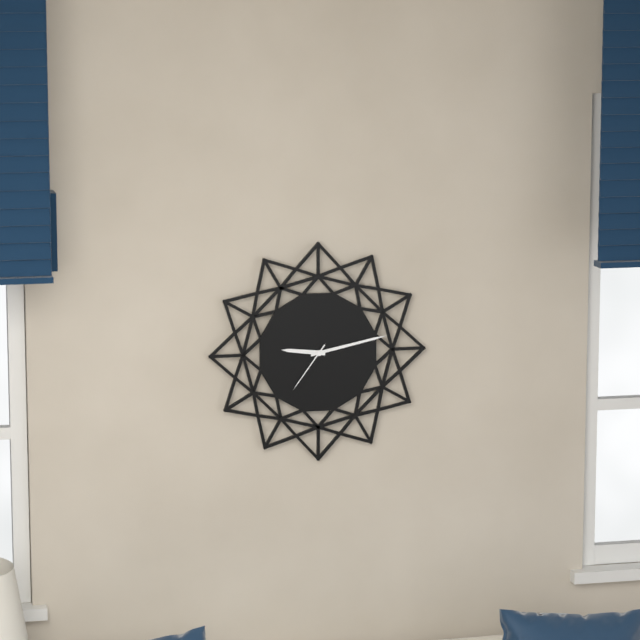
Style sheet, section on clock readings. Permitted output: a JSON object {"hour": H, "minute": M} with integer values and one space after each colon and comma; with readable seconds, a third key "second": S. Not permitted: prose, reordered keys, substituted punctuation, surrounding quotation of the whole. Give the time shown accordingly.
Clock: {"hour": 9, "minute": 13, "second": 36}
